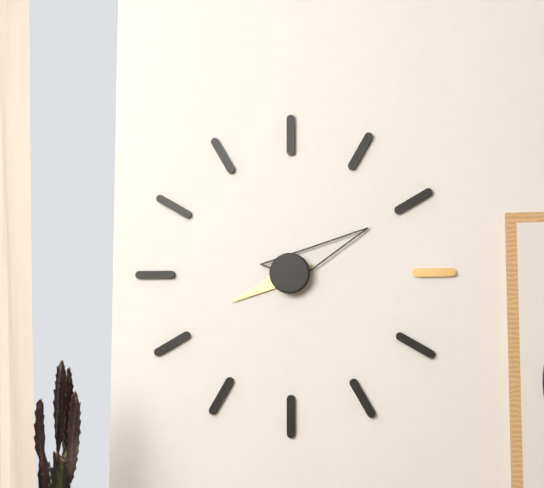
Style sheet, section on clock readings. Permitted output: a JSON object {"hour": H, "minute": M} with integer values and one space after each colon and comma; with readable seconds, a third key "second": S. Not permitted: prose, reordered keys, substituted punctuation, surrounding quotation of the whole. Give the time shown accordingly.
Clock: {"hour": 8, "minute": 10}
